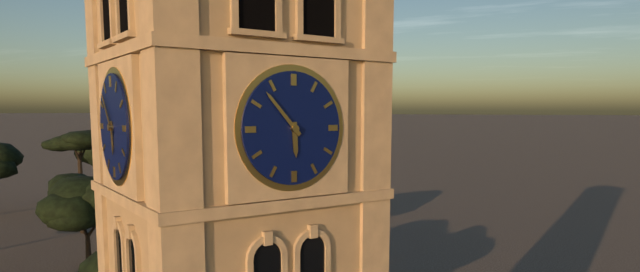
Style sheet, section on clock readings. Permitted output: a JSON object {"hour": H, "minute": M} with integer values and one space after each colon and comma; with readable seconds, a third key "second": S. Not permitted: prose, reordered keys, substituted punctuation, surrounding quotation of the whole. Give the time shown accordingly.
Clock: {"hour": 5, "minute": 53}
